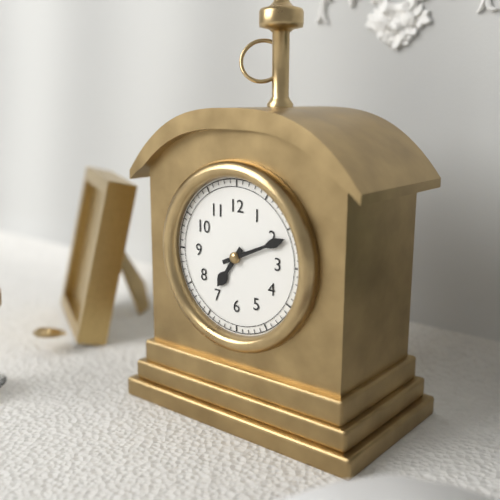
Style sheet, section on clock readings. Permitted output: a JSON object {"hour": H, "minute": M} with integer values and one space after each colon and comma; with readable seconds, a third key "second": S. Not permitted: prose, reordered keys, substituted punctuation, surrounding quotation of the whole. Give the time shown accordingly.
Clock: {"hour": 7, "minute": 11}
